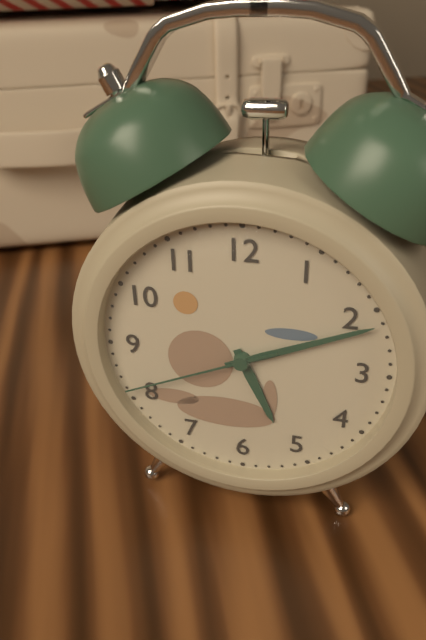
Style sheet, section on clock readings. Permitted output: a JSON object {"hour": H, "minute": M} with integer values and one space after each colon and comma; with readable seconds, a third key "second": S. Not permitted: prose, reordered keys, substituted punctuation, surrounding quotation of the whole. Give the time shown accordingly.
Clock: {"hour": 5, "minute": 11, "second": 41}
